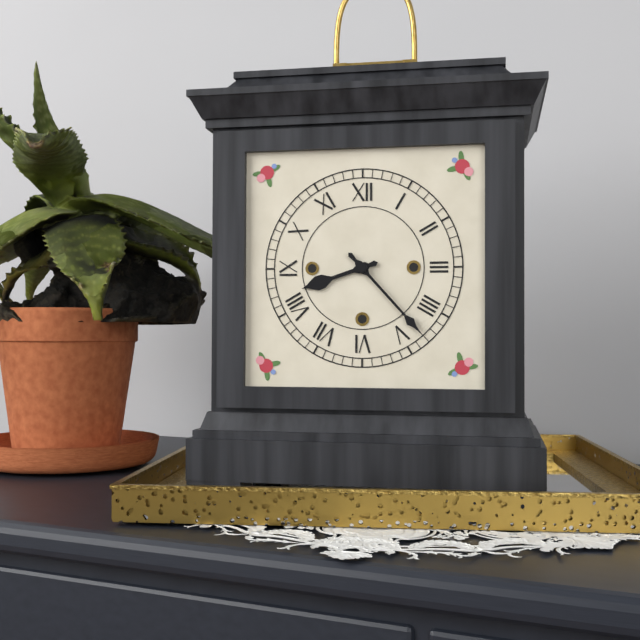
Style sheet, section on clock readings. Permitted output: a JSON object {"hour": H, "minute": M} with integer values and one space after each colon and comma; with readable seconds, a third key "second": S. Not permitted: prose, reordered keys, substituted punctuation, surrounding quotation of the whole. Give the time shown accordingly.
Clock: {"hour": 8, "minute": 23}
